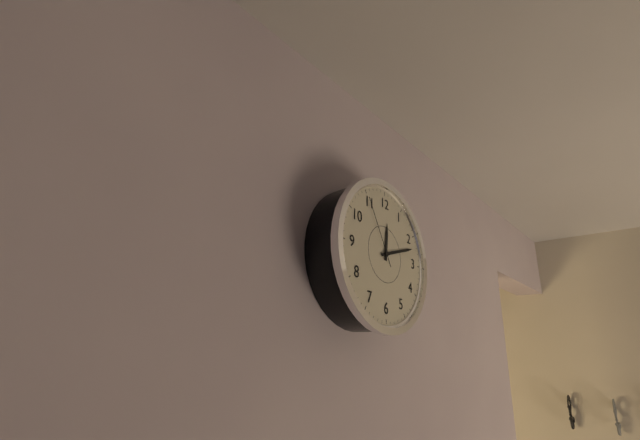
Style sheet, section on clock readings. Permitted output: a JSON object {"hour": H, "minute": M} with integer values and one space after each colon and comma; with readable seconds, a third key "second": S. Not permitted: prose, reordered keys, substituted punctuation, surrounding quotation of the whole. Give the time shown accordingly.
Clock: {"hour": 12, "minute": 12, "second": 55}
